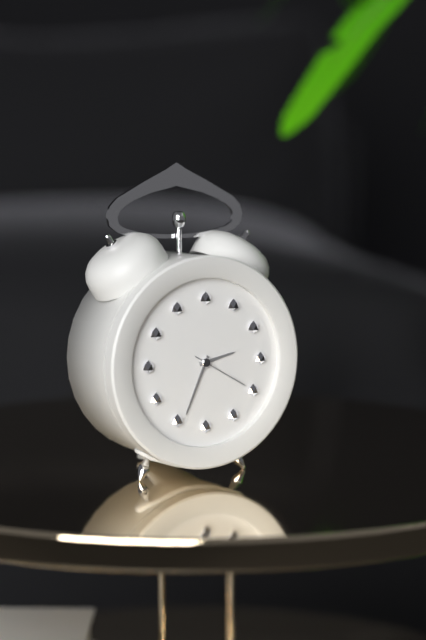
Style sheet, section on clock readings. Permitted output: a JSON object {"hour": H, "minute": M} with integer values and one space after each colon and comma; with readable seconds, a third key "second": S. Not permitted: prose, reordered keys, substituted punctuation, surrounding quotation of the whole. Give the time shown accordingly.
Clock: {"hour": 2, "minute": 34, "second": 20}
